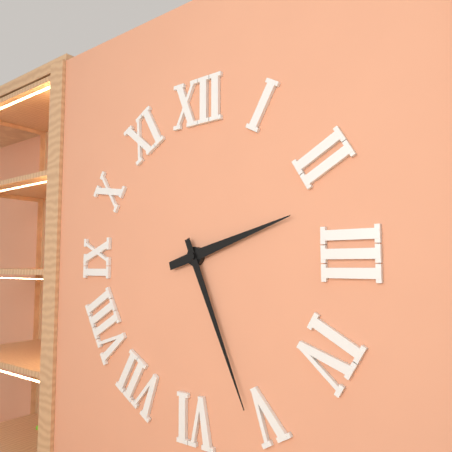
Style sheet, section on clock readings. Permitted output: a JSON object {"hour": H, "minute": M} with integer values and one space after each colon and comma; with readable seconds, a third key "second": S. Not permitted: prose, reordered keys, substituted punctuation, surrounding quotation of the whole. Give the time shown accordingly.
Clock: {"hour": 2, "minute": 26}
